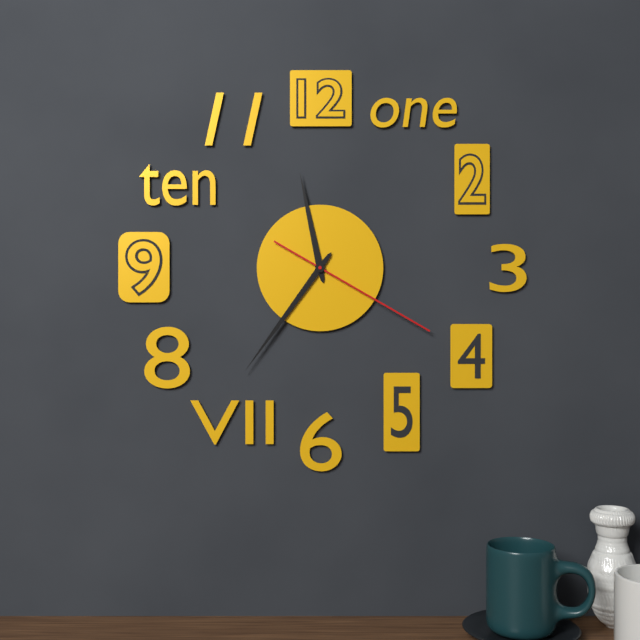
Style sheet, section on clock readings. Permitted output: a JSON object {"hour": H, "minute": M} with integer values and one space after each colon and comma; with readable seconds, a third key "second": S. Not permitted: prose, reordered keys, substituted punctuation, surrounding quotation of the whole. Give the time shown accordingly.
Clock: {"hour": 11, "minute": 36, "second": 20}
